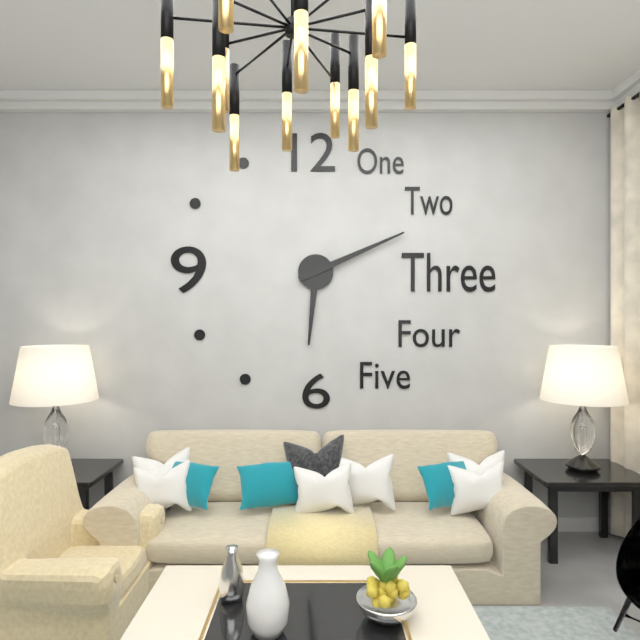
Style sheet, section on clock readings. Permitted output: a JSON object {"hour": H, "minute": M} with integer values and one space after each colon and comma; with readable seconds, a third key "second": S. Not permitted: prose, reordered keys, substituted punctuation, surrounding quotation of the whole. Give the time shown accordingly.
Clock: {"hour": 6, "minute": 11}
